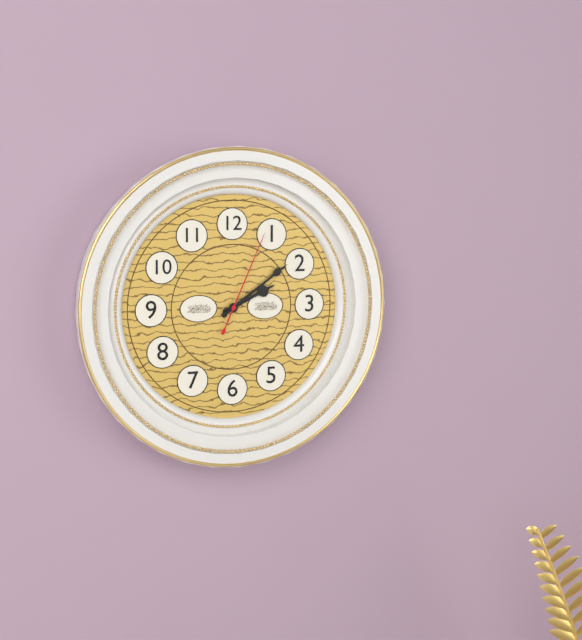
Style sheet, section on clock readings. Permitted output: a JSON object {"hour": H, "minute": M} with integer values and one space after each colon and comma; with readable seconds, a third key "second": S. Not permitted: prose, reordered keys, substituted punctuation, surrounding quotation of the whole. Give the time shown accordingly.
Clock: {"hour": 2, "minute": 9, "second": 4}
